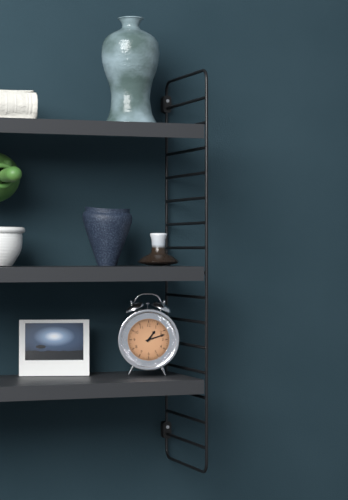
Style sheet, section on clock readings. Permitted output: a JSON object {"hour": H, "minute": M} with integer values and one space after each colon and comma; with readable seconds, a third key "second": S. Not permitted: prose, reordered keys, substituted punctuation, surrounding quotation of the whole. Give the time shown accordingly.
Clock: {"hour": 1, "minute": 12}
